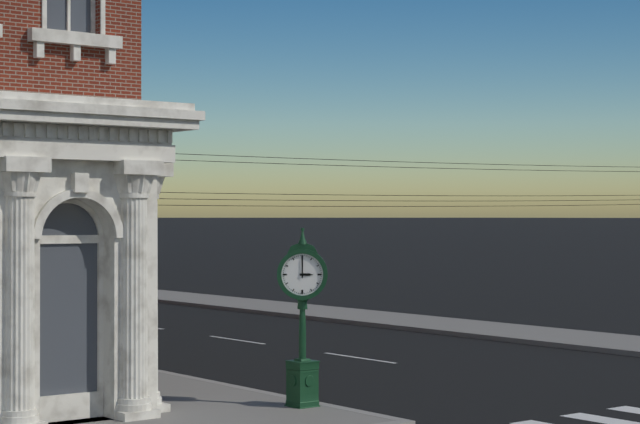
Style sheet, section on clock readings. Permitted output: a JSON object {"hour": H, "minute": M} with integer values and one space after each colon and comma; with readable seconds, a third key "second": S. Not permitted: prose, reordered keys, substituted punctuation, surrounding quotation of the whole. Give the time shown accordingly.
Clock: {"hour": 3, "minute": 0}
